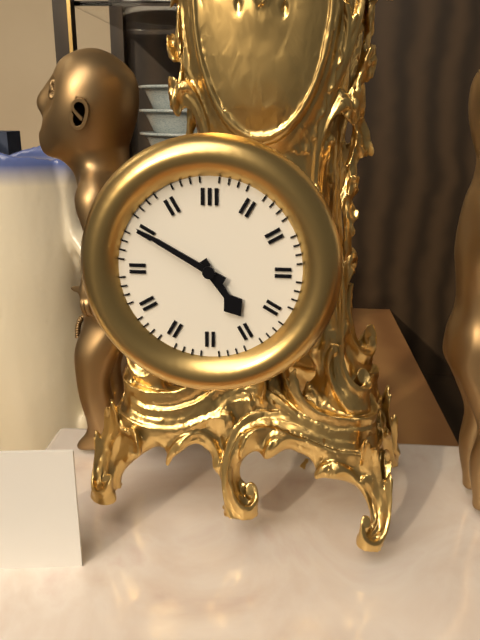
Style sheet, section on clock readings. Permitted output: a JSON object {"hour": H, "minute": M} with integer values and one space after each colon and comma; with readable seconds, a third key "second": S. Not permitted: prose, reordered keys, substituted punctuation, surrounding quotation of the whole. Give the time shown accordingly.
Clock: {"hour": 4, "minute": 50}
